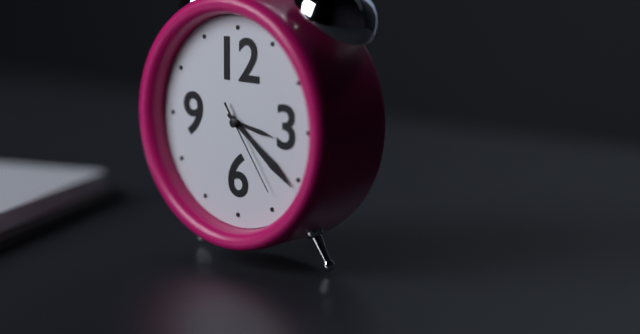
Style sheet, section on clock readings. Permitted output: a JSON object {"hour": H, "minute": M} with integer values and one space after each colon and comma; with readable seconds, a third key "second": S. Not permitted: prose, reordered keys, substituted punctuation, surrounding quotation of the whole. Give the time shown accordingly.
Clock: {"hour": 3, "minute": 21, "second": 24}
